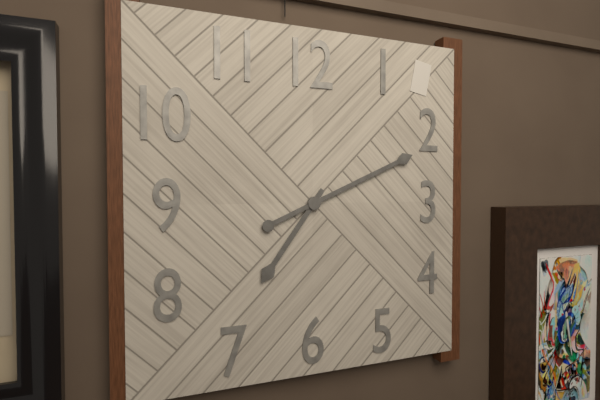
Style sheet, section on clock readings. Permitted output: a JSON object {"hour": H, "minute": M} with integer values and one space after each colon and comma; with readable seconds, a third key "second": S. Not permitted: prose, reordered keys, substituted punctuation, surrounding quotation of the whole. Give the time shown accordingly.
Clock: {"hour": 7, "minute": 11}
